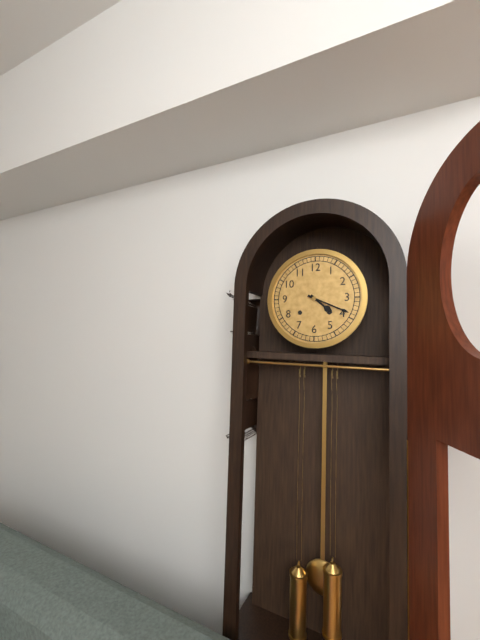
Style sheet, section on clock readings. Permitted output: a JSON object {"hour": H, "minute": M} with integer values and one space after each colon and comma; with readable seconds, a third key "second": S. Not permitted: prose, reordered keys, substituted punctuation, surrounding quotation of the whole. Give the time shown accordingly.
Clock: {"hour": 4, "minute": 19}
